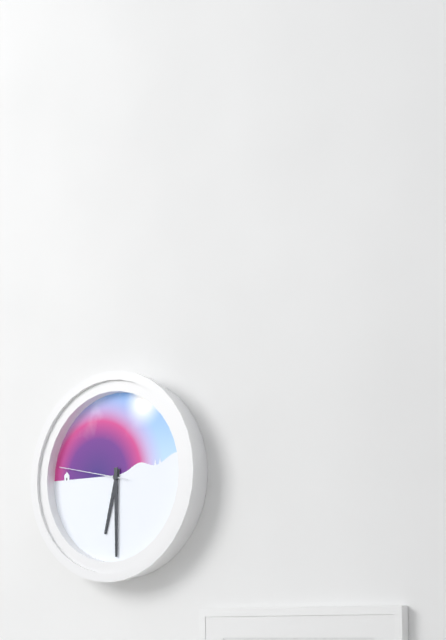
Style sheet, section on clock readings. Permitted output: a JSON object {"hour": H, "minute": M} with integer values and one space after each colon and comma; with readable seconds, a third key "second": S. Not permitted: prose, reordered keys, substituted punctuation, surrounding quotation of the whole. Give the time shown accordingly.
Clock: {"hour": 6, "minute": 30, "second": 47}
